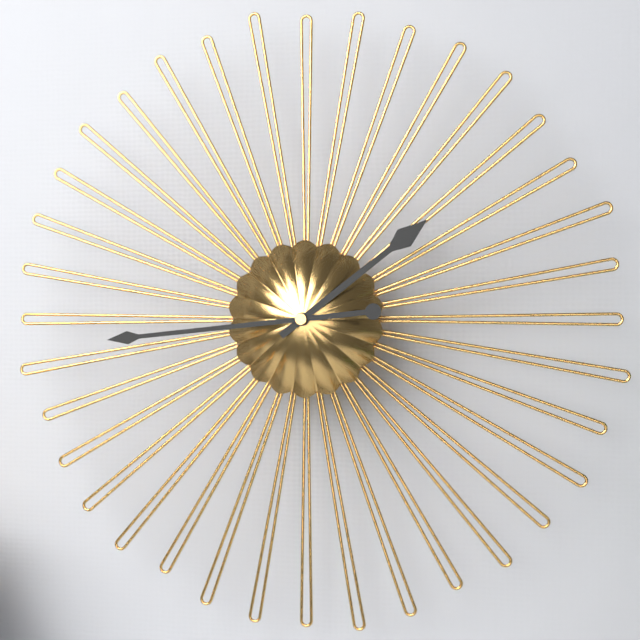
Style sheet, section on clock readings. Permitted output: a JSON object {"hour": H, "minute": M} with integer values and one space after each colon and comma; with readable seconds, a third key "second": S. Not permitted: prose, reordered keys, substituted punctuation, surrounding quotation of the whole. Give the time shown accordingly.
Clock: {"hour": 1, "minute": 44}
